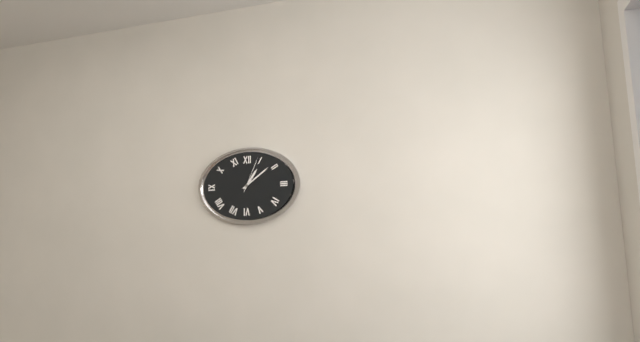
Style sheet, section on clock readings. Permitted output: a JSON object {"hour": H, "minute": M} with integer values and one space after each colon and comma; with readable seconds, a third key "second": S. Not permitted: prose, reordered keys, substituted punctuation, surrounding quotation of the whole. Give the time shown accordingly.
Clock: {"hour": 1, "minute": 9}
